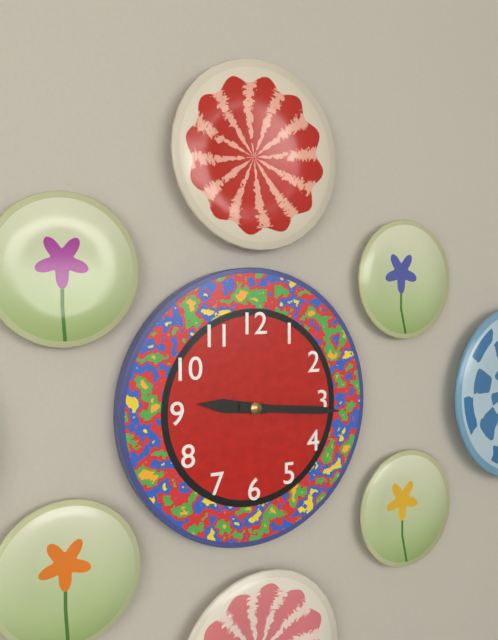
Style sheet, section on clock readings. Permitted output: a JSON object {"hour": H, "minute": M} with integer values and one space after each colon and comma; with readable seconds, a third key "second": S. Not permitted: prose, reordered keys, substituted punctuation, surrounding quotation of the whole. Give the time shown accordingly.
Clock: {"hour": 9, "minute": 16}
